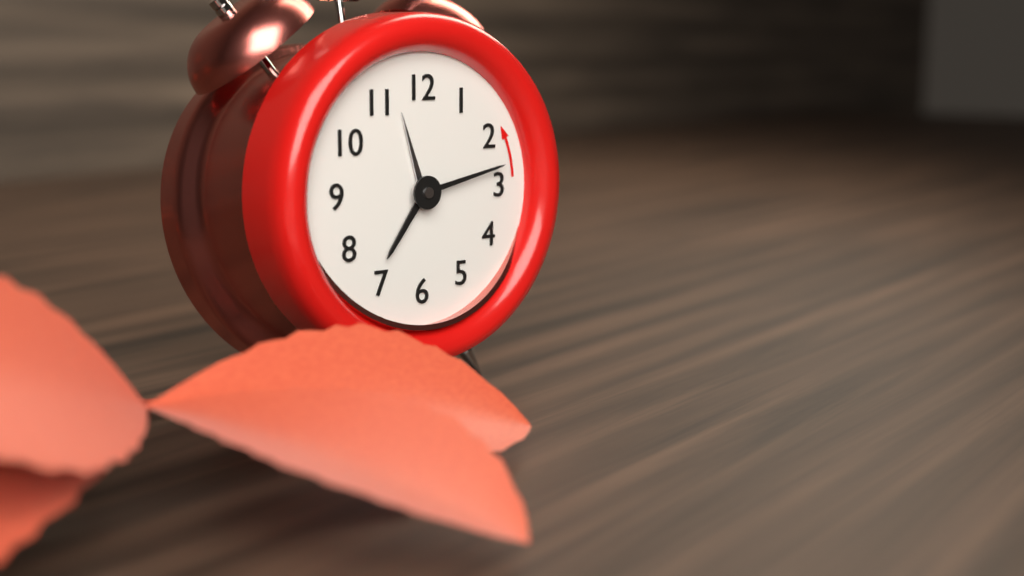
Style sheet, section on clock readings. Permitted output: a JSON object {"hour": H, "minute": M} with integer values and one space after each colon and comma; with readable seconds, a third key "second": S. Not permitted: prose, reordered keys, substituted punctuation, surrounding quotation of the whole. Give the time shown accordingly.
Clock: {"hour": 7, "minute": 13, "second": 57}
